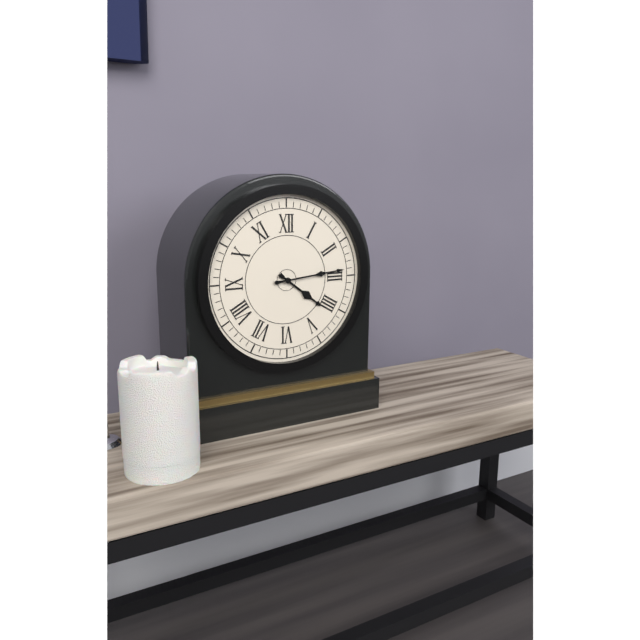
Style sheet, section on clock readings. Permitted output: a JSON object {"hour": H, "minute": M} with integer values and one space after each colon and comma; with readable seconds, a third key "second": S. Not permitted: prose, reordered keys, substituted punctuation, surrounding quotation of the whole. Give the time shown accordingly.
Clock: {"hour": 4, "minute": 14}
